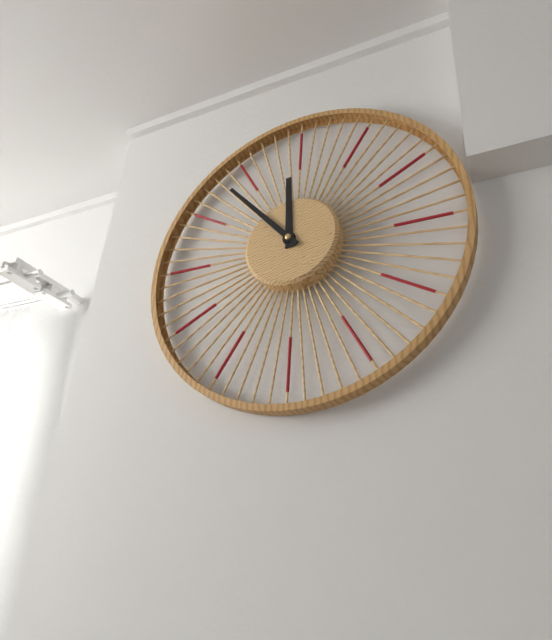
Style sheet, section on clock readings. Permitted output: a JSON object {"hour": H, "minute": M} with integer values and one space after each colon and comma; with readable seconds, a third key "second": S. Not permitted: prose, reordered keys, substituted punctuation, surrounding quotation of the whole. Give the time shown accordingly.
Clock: {"hour": 11, "minute": 53}
